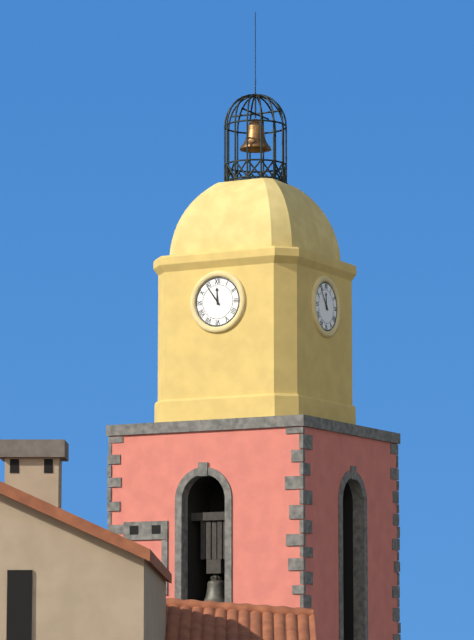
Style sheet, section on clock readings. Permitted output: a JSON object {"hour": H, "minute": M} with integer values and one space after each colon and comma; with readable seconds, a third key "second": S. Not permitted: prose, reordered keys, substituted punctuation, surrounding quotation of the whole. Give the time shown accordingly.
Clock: {"hour": 11, "minute": 54}
